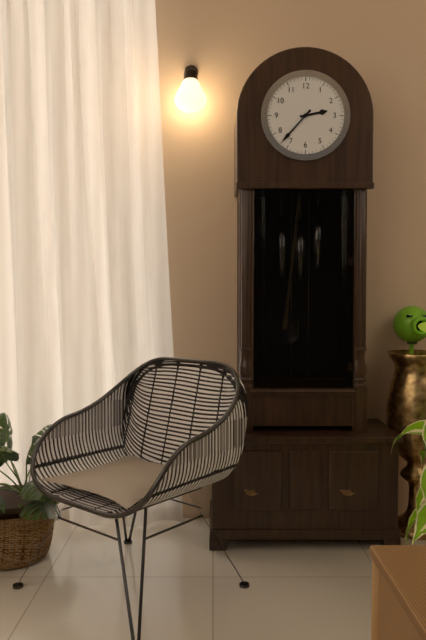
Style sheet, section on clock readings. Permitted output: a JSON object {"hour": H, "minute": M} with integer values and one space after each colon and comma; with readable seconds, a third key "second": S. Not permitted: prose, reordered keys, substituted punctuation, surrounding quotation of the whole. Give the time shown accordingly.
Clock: {"hour": 2, "minute": 37}
